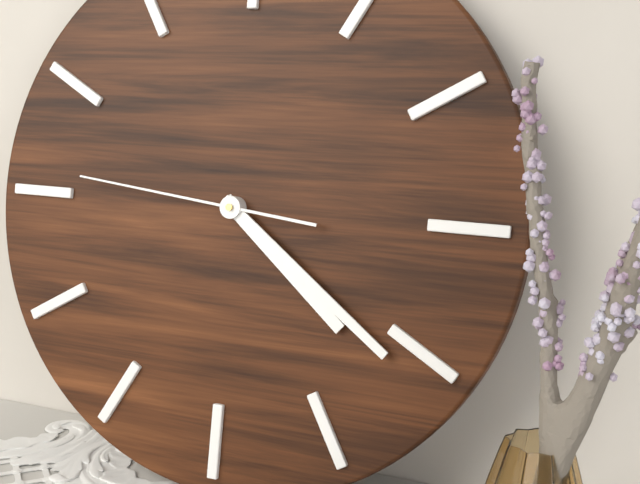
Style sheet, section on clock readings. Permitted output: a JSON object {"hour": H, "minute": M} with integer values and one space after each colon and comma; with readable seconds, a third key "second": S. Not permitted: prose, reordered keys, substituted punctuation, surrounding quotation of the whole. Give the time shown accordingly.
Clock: {"hour": 4, "minute": 21, "second": 46}
